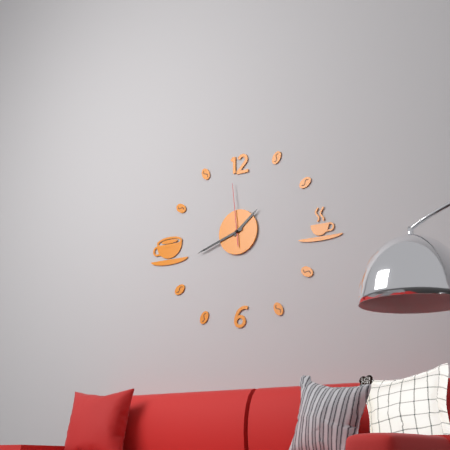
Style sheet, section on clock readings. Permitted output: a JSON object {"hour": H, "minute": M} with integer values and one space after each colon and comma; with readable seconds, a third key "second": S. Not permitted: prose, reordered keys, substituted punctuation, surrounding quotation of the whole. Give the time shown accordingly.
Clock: {"hour": 1, "minute": 42, "second": 59}
